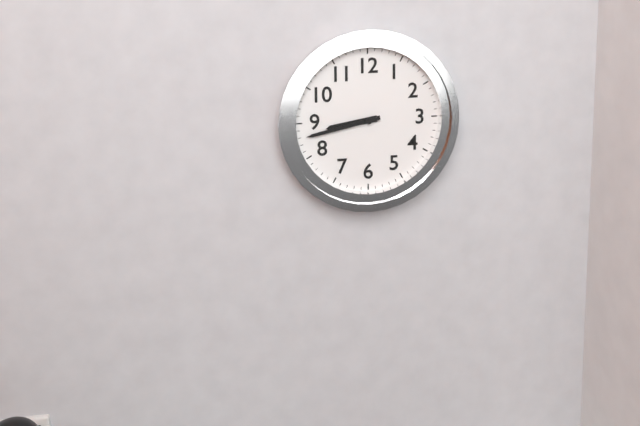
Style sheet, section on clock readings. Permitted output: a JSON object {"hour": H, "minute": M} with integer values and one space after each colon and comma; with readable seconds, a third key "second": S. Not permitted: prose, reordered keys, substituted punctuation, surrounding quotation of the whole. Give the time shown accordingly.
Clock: {"hour": 8, "minute": 43}
